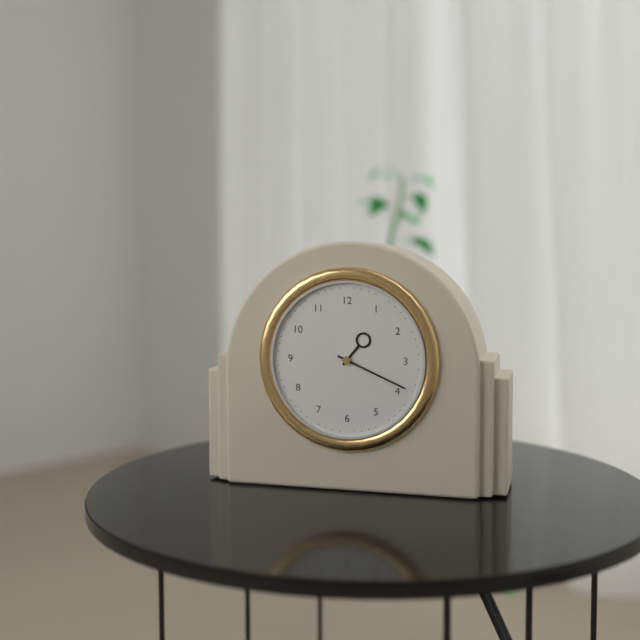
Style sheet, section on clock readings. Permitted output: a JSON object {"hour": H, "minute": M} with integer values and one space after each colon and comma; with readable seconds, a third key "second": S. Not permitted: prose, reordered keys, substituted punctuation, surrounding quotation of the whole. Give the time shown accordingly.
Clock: {"hour": 1, "minute": 19}
